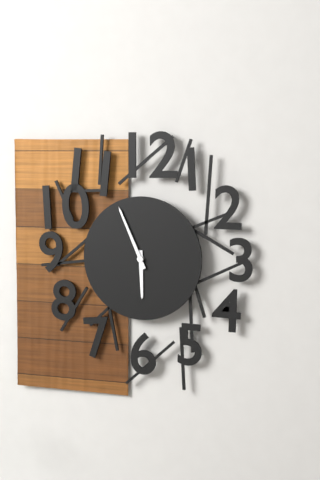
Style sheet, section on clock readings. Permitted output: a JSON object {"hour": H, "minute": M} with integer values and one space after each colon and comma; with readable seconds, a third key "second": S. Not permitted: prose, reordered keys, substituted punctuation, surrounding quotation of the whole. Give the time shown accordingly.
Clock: {"hour": 5, "minute": 56}
